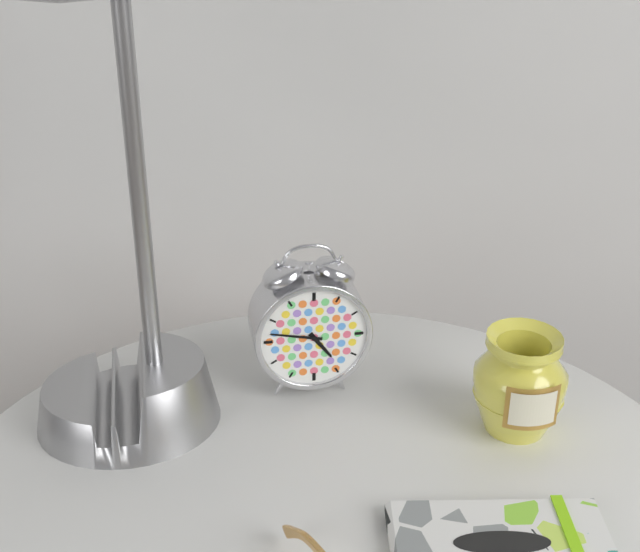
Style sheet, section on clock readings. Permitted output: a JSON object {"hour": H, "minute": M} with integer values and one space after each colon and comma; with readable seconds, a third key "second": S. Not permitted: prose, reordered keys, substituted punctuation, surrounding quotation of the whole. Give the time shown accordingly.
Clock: {"hour": 4, "minute": 47}
